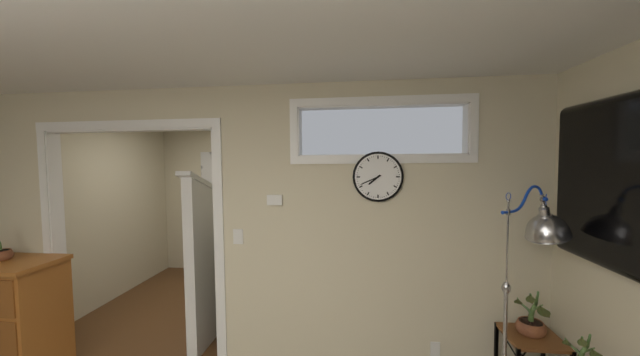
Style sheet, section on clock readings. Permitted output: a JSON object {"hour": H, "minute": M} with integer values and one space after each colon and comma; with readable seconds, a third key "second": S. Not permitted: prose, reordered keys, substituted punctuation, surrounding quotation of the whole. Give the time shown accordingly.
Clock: {"hour": 7, "minute": 41}
